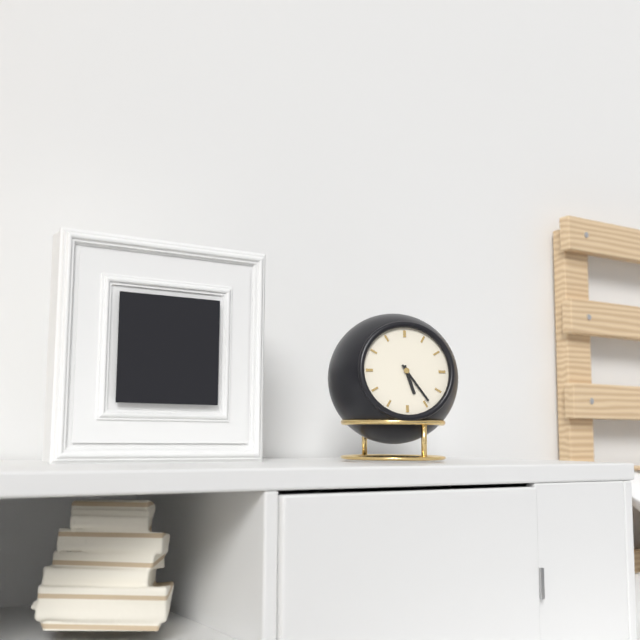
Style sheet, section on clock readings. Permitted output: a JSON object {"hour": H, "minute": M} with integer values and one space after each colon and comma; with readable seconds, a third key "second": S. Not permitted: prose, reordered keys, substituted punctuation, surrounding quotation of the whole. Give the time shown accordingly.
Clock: {"hour": 5, "minute": 24}
